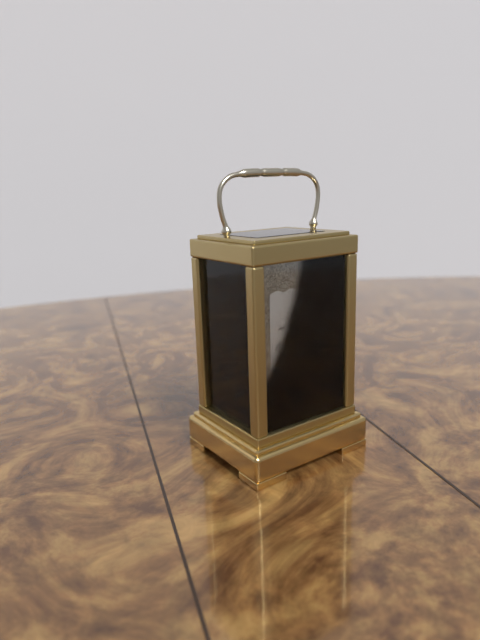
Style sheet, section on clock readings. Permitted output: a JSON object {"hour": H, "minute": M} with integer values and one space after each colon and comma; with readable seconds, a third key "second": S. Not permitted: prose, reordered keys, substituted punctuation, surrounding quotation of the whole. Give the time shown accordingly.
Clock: {"hour": 7, "minute": 53}
